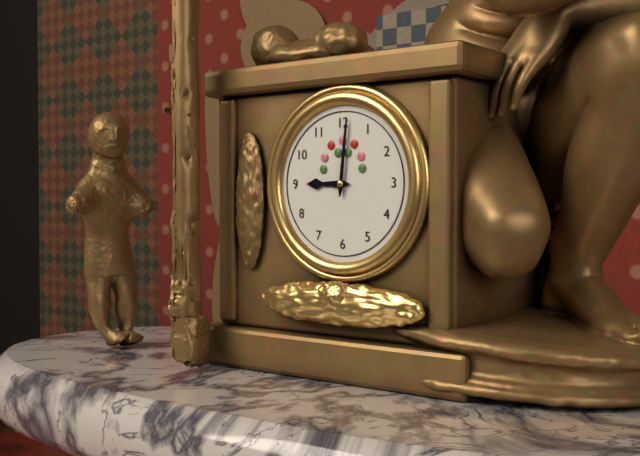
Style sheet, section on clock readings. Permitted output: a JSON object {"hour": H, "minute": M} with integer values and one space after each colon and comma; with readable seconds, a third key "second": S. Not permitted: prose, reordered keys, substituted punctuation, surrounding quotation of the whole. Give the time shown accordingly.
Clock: {"hour": 9, "minute": 1}
